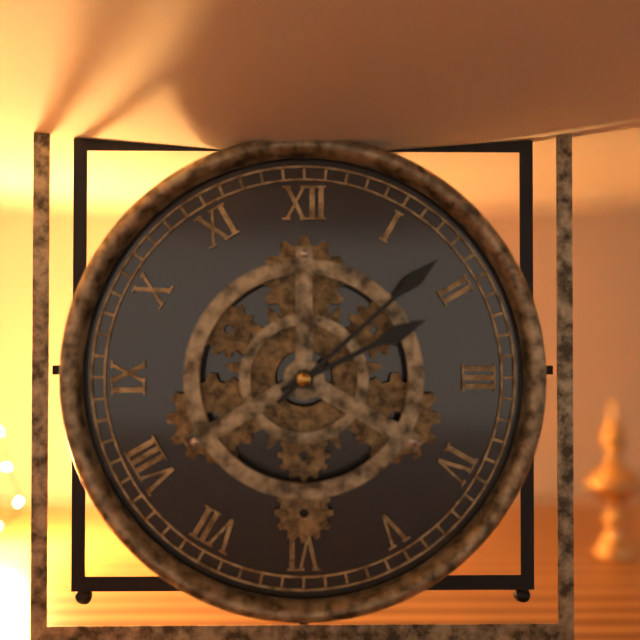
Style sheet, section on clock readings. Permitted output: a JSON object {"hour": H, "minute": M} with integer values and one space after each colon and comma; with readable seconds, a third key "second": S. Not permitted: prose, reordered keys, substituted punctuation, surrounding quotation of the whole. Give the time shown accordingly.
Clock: {"hour": 2, "minute": 8}
